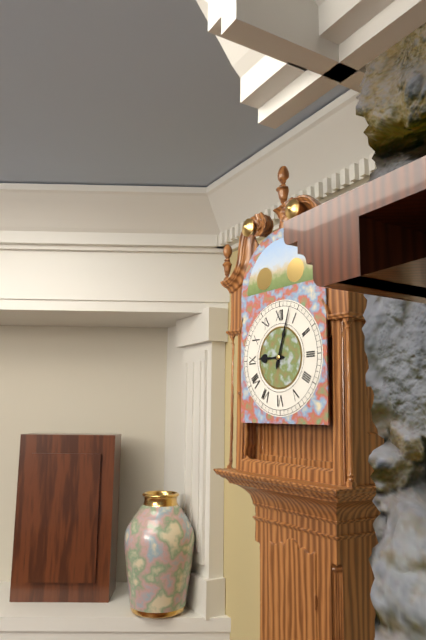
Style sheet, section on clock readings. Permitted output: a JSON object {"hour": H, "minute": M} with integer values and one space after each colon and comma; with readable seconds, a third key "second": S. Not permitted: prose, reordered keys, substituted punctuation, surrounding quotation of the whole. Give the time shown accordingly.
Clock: {"hour": 9, "minute": 3}
